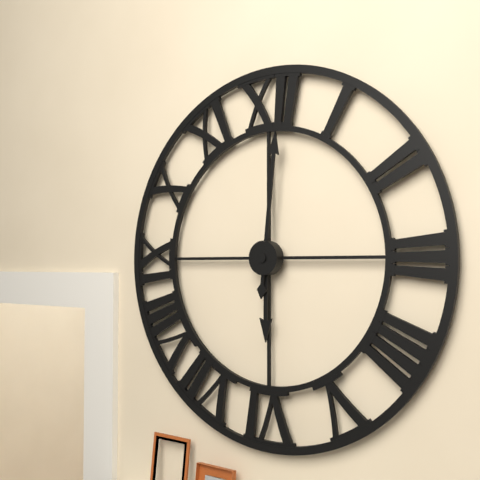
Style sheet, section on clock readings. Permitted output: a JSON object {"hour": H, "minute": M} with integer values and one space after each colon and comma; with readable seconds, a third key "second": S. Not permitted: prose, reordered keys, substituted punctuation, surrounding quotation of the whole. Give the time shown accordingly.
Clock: {"hour": 6, "minute": 1}
